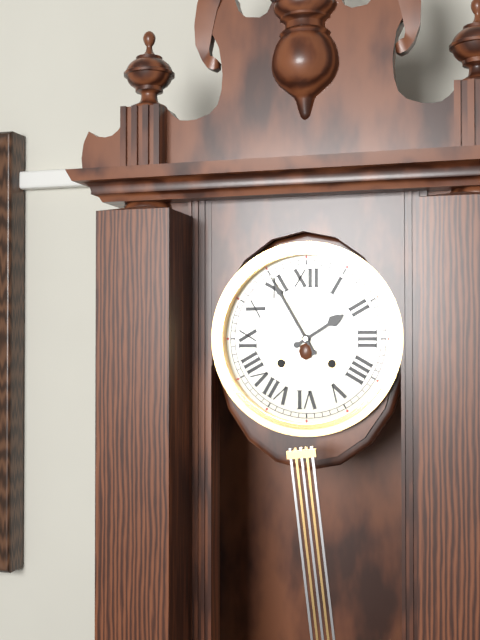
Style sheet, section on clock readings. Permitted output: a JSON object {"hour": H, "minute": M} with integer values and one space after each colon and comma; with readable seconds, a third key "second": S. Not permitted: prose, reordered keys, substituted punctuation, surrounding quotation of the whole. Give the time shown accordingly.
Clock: {"hour": 1, "minute": 55}
